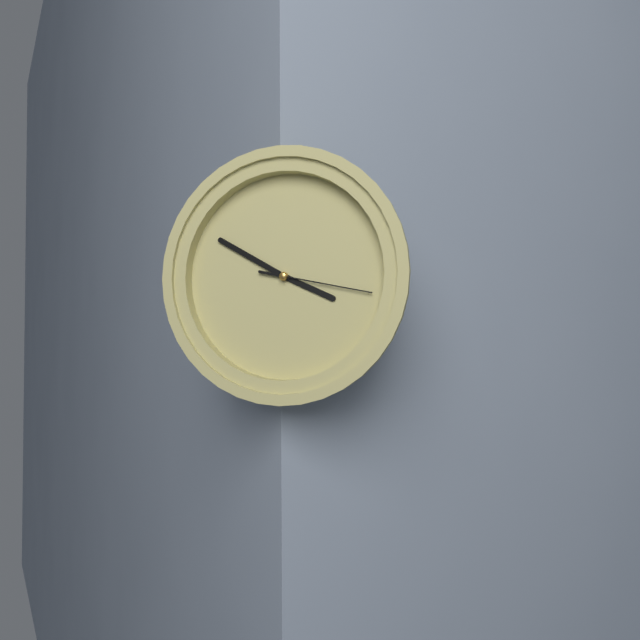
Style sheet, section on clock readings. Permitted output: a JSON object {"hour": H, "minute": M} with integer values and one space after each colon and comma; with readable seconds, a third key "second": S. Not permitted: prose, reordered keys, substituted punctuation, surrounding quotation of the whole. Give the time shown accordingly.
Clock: {"hour": 3, "minute": 50, "second": 17}
